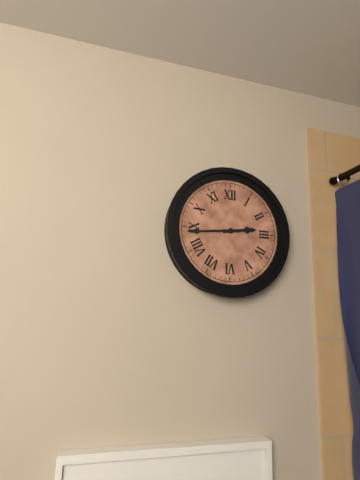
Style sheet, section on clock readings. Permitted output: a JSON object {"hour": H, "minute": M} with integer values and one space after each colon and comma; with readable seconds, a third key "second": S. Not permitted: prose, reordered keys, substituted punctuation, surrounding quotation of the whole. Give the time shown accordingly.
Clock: {"hour": 2, "minute": 44}
